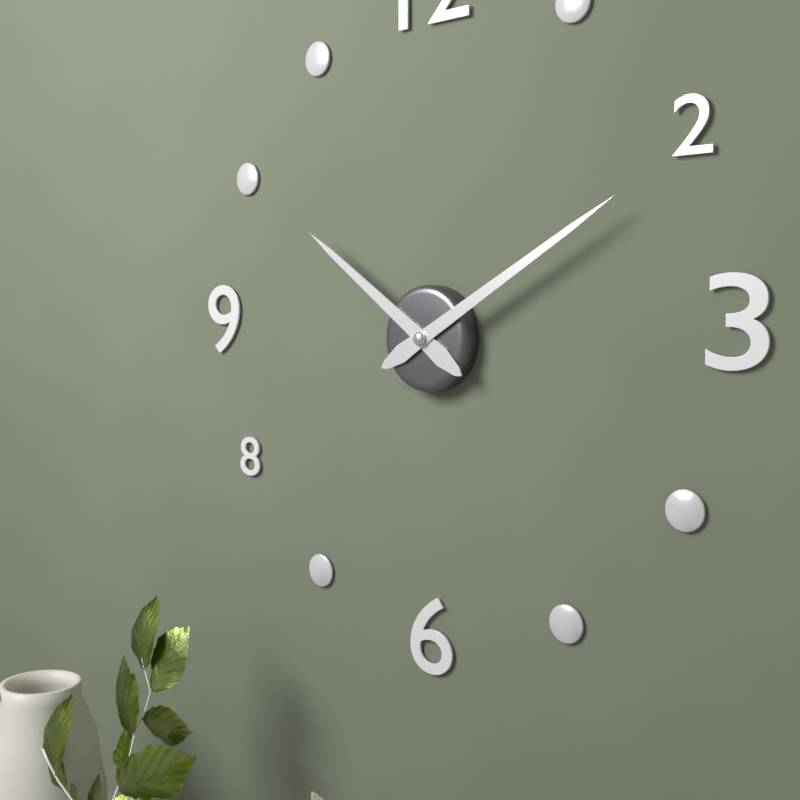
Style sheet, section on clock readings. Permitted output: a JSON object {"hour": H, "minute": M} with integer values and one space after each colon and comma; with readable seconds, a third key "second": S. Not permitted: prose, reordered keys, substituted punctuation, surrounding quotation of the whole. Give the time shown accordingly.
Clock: {"hour": 10, "minute": 10}
